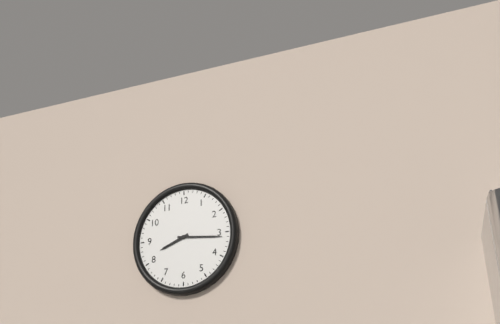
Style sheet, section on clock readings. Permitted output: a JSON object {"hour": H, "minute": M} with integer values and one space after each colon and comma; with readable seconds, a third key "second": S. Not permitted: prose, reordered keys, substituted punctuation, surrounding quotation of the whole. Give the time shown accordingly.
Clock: {"hour": 8, "minute": 16}
